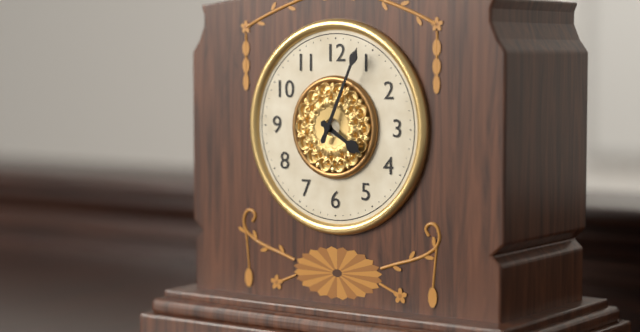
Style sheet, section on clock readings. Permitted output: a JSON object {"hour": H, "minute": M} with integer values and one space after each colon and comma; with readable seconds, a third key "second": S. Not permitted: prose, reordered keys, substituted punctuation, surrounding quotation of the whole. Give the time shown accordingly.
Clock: {"hour": 4, "minute": 4}
